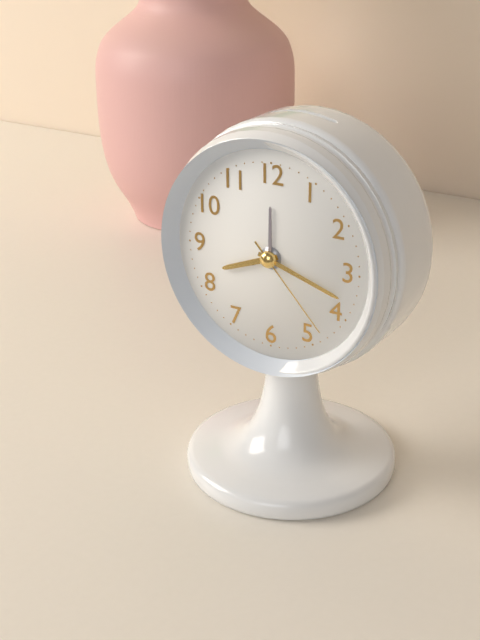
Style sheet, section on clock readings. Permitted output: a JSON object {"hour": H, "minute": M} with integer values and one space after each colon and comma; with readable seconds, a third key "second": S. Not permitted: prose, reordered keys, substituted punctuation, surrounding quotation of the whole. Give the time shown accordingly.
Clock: {"hour": 8, "minute": 18, "second": 23}
